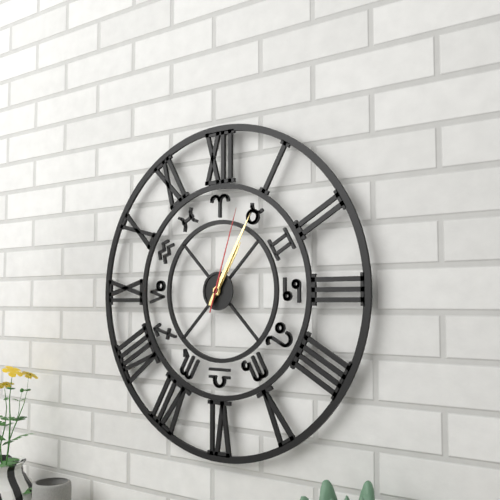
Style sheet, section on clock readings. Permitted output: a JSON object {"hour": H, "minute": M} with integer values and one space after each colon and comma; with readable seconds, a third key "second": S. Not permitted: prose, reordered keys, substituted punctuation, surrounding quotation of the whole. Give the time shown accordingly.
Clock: {"hour": 1, "minute": 5, "second": 3}
